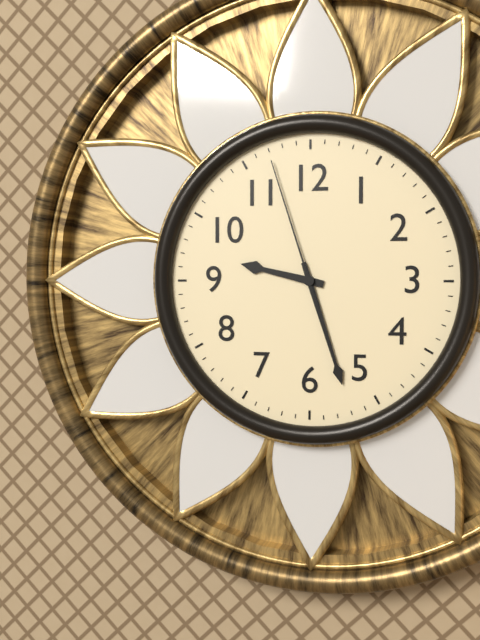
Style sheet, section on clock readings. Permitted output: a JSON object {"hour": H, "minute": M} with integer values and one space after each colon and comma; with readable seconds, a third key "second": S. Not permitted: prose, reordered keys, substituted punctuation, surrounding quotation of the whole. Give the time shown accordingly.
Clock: {"hour": 9, "minute": 27, "second": 57}
